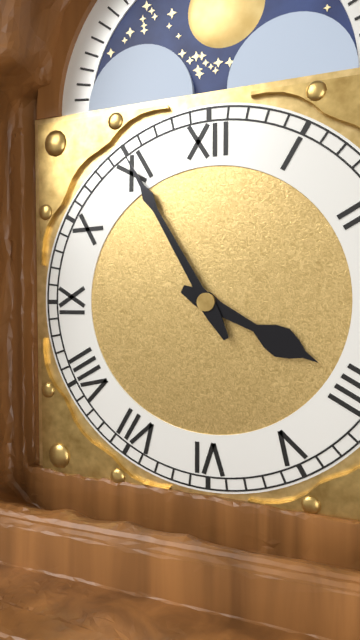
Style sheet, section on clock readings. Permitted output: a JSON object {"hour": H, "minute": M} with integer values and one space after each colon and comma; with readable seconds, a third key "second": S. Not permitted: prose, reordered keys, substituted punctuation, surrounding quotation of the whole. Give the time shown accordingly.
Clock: {"hour": 3, "minute": 55}
